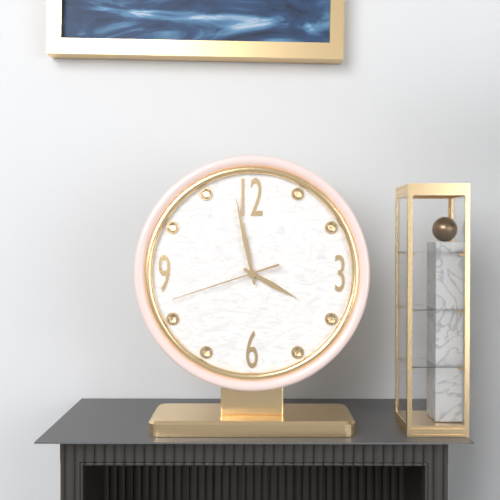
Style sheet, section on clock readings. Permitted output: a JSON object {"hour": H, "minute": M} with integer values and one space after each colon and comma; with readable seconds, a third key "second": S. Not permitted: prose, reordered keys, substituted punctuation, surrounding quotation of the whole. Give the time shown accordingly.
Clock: {"hour": 3, "minute": 58, "second": 42}
